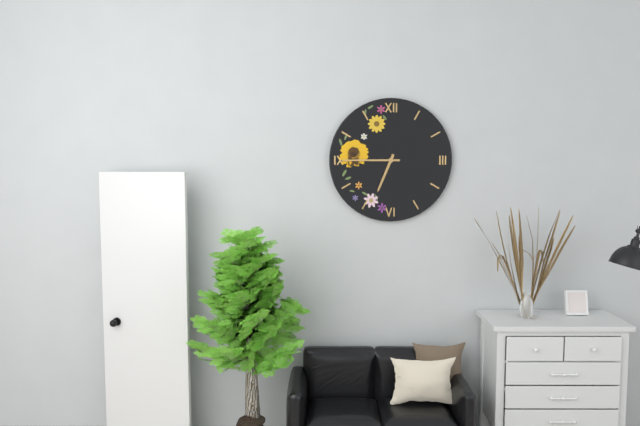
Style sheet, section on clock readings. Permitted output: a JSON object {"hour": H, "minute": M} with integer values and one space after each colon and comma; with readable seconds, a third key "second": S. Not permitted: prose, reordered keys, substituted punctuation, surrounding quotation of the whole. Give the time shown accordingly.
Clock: {"hour": 6, "minute": 45}
